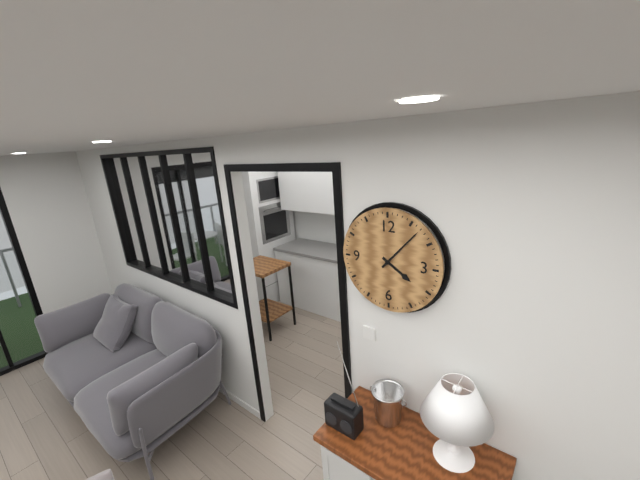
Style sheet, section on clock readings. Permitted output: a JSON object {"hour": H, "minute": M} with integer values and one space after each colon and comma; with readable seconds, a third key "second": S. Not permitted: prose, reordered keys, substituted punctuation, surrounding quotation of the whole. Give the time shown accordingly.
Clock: {"hour": 4, "minute": 7}
